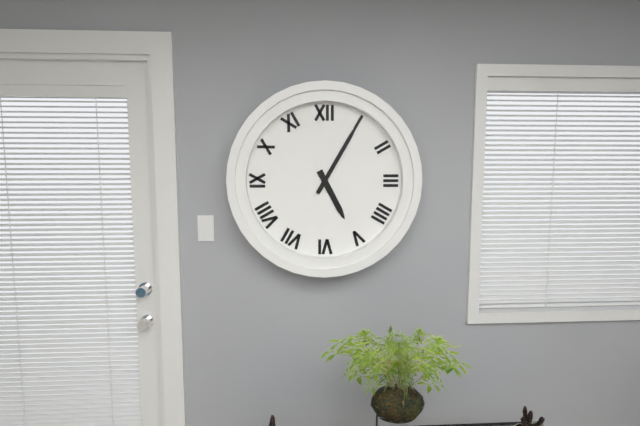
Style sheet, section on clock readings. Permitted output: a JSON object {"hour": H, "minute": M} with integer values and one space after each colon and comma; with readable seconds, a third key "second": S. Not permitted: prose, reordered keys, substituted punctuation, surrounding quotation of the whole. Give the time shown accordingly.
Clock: {"hour": 5, "minute": 5}
